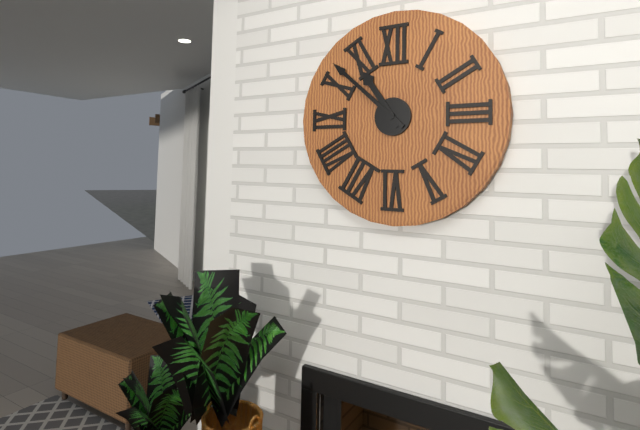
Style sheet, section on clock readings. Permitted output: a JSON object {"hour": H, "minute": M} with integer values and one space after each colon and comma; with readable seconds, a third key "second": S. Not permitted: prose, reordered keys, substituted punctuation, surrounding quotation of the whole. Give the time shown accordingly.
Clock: {"hour": 10, "minute": 52}
